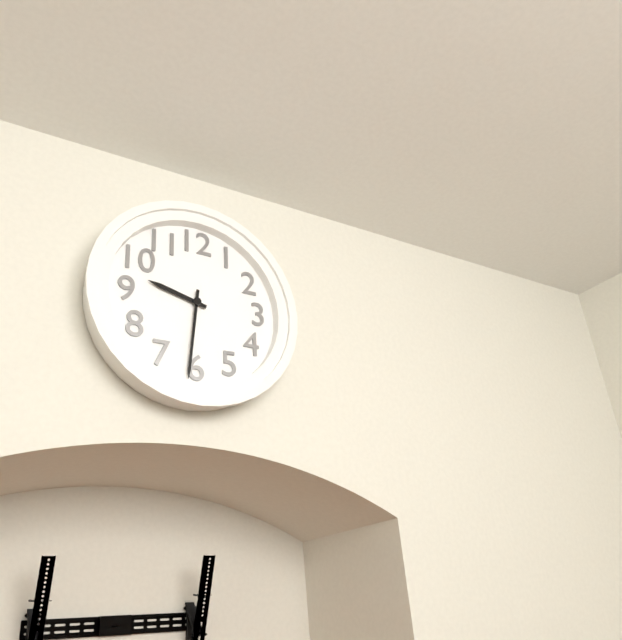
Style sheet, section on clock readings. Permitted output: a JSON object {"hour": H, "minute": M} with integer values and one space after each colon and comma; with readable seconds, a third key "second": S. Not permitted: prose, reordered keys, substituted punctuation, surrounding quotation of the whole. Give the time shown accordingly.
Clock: {"hour": 9, "minute": 31}
